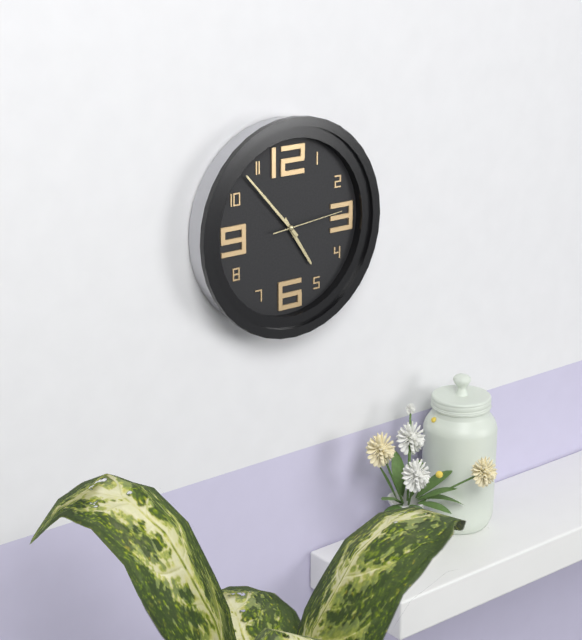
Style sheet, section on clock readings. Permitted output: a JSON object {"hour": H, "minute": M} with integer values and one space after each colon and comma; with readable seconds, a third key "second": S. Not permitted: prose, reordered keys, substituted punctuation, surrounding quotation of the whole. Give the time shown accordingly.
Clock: {"hour": 4, "minute": 53, "second": 14}
